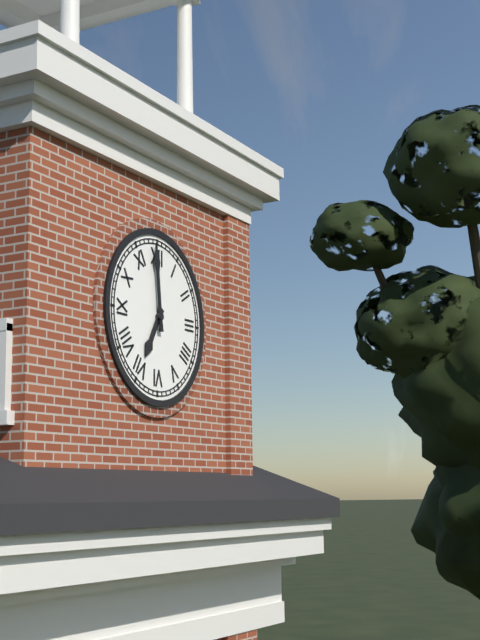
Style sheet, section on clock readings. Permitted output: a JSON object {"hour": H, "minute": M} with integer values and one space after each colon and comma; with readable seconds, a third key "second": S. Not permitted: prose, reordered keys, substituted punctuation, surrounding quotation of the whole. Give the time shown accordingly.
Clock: {"hour": 6, "minute": 59}
